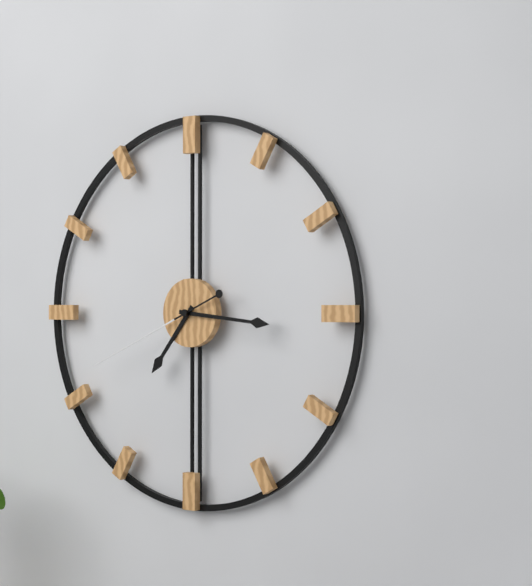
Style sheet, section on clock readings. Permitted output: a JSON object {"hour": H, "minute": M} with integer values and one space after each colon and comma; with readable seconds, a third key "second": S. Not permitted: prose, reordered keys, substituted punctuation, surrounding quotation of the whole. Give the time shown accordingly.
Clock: {"hour": 7, "minute": 16, "second": 41}
